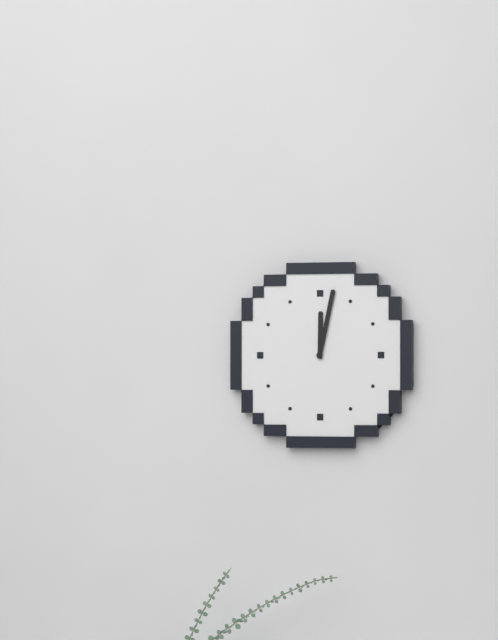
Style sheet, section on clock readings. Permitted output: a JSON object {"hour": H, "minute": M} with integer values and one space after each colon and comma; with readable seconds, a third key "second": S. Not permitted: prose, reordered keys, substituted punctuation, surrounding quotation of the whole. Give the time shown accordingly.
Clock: {"hour": 12, "minute": 2}
